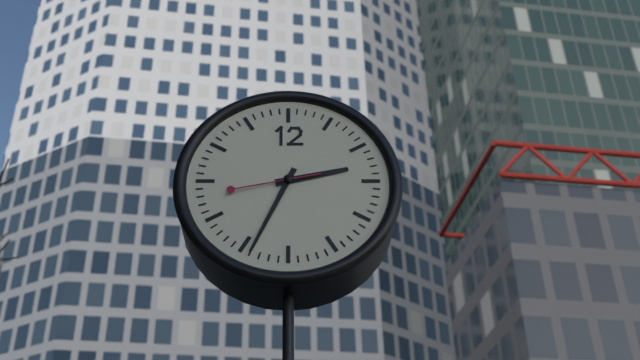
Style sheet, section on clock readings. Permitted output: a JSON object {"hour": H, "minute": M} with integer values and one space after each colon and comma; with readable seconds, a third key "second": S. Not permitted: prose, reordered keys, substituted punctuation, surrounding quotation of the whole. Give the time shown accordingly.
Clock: {"hour": 2, "minute": 34, "second": 43}
